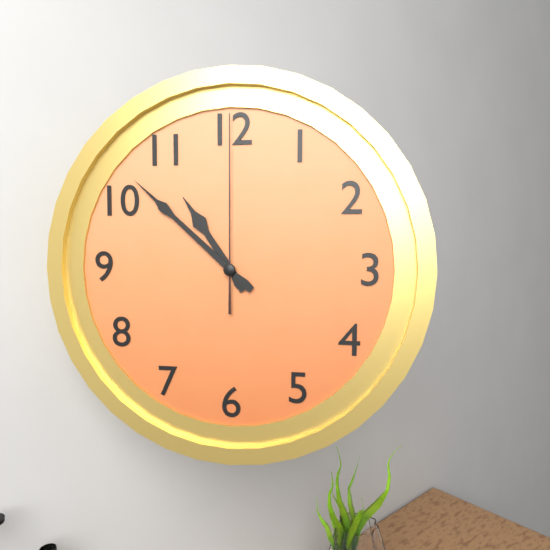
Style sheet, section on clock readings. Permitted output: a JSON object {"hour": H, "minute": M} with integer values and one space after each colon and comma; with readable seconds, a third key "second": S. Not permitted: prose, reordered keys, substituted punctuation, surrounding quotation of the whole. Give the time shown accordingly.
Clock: {"hour": 10, "minute": 52, "second": 0}
